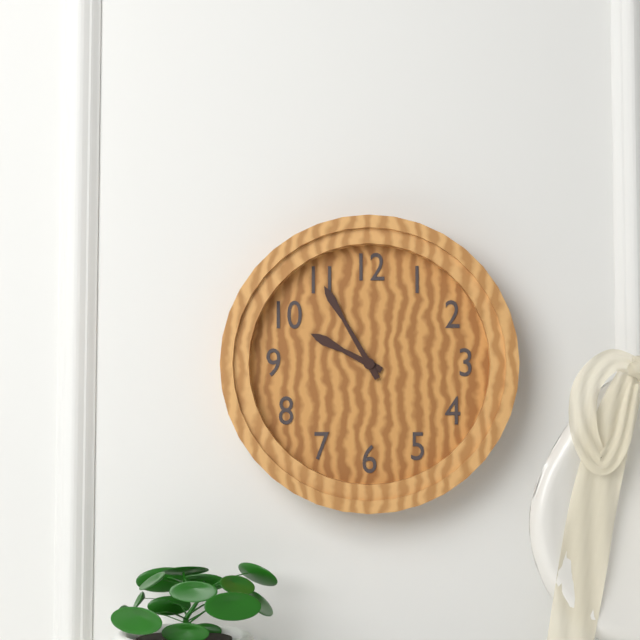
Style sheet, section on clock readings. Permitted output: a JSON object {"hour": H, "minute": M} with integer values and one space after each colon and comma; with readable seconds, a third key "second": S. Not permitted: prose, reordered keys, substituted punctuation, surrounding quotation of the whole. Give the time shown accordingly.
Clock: {"hour": 9, "minute": 55}
